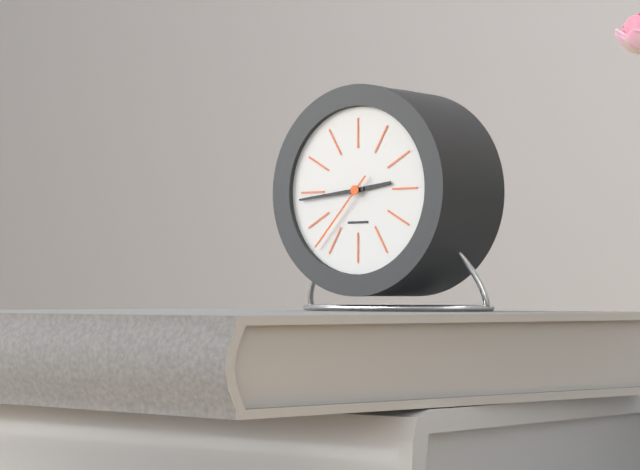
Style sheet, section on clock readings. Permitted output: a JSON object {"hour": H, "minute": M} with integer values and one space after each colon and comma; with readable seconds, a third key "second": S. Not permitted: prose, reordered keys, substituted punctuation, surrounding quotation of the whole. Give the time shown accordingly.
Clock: {"hour": 2, "minute": 44, "second": 37}
